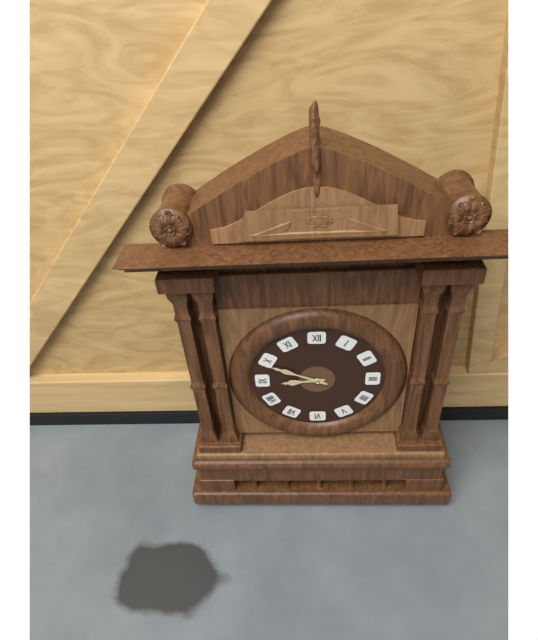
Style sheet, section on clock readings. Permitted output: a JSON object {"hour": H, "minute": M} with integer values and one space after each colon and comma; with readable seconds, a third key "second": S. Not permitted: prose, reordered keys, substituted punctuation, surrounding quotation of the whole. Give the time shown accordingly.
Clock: {"hour": 8, "minute": 49}
